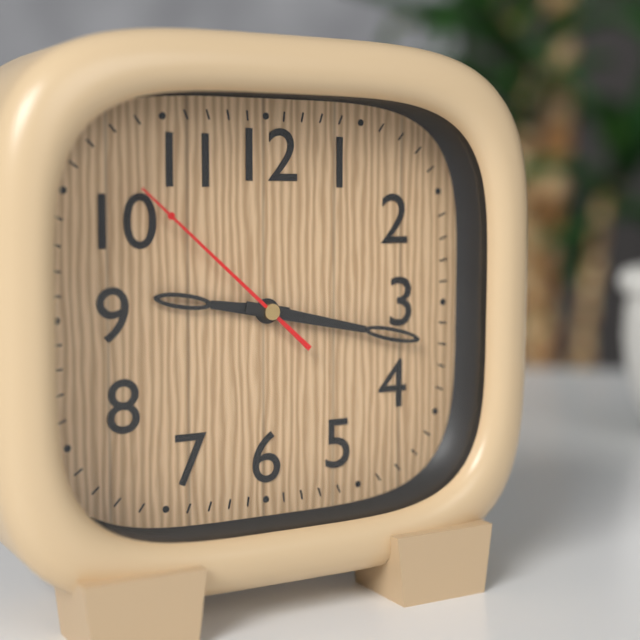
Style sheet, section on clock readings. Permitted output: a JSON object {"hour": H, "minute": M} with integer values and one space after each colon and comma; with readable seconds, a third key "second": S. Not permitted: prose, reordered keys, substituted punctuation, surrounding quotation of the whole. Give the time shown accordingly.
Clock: {"hour": 9, "minute": 17, "second": 52}
